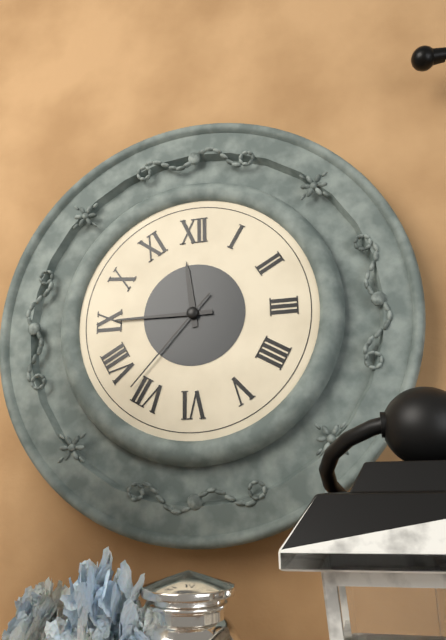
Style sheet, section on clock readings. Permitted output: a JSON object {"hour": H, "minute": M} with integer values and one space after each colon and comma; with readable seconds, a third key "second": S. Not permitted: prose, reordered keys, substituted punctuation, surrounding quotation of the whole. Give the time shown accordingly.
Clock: {"hour": 11, "minute": 45, "second": 37}
